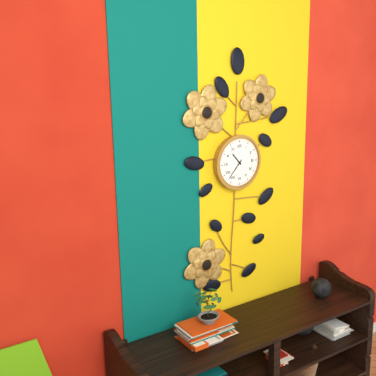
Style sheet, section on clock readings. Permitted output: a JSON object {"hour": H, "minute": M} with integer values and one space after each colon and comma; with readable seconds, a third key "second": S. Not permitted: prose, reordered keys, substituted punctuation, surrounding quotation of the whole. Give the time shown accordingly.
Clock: {"hour": 10, "minute": 37}
